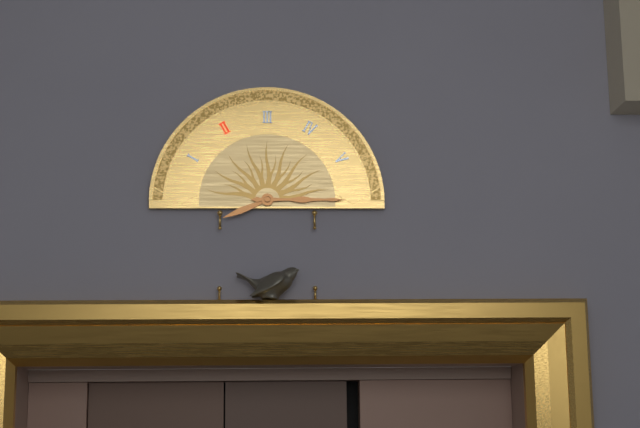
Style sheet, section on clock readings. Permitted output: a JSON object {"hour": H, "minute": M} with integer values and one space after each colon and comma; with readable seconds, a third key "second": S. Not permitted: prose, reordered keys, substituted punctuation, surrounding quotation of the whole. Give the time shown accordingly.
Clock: {"hour": 8, "minute": 15}
